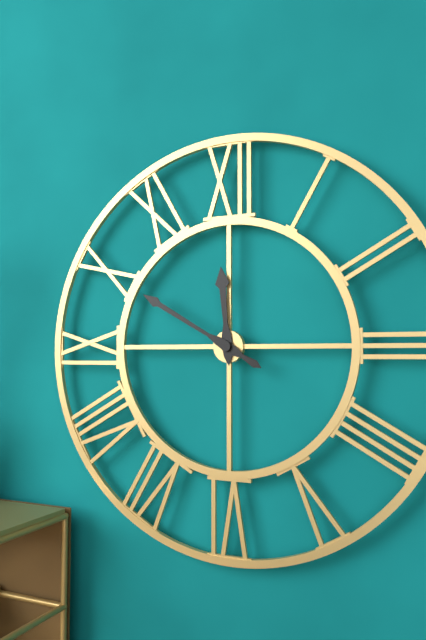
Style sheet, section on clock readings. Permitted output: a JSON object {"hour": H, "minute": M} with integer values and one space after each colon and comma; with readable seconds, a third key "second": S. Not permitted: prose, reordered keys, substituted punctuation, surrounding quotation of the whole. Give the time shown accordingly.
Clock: {"hour": 11, "minute": 50}
